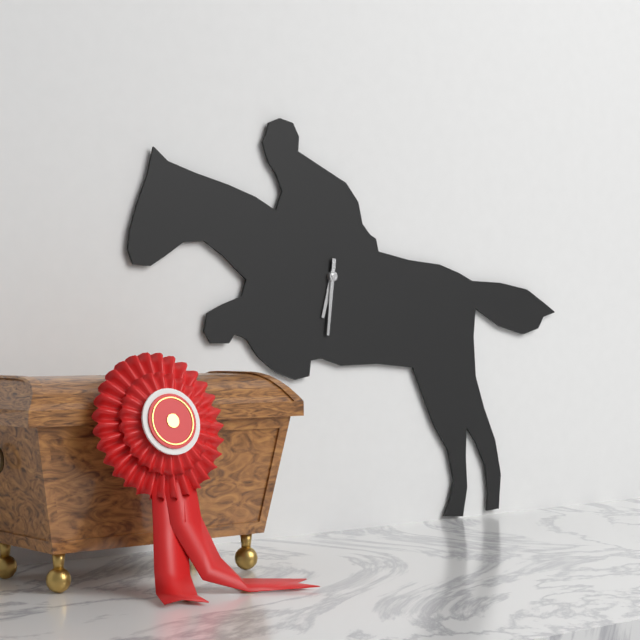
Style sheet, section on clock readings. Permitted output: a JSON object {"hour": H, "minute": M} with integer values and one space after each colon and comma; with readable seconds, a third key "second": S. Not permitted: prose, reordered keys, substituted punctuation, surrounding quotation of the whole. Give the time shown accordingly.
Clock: {"hour": 6, "minute": 31}
